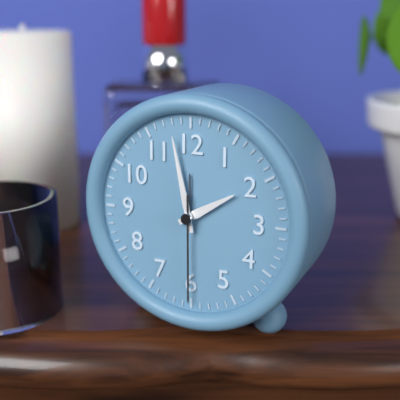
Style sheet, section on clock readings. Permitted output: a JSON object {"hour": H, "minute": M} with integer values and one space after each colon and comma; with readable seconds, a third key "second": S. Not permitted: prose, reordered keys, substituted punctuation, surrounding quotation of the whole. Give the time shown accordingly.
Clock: {"hour": 1, "minute": 58, "second": 30}
